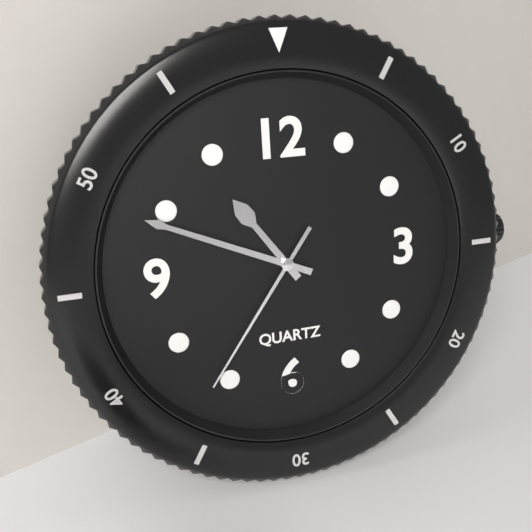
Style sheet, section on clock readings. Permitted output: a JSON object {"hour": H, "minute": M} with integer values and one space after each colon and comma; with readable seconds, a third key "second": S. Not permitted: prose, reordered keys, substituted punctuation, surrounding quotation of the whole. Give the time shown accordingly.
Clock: {"hour": 10, "minute": 49, "second": 36}
